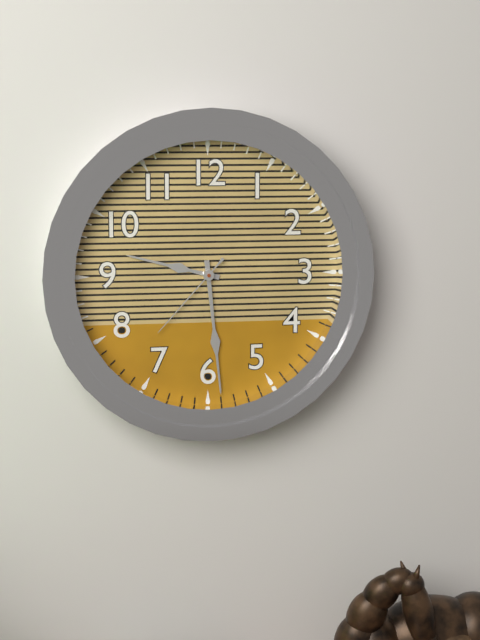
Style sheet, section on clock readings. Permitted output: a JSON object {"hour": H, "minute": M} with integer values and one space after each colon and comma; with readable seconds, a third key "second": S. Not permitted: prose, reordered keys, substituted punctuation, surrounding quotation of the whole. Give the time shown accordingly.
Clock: {"hour": 9, "minute": 29, "second": 37}
